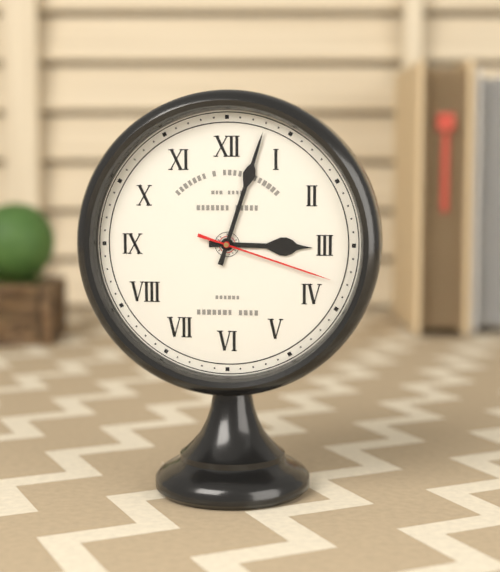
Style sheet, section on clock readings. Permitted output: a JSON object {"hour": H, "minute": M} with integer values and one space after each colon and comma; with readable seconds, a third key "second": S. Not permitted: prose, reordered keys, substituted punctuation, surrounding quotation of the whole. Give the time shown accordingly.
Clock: {"hour": 3, "minute": 3, "second": 18}
